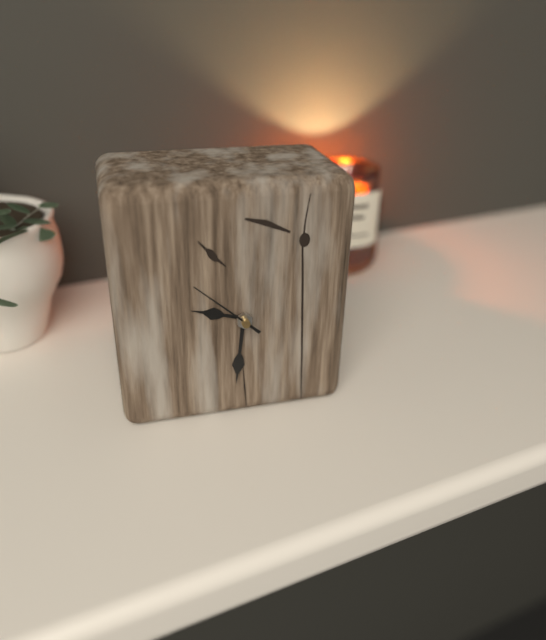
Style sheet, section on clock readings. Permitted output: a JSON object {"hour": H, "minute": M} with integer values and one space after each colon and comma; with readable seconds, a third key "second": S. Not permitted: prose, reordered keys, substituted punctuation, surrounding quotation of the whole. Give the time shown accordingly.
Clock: {"hour": 9, "minute": 31, "second": 52}
